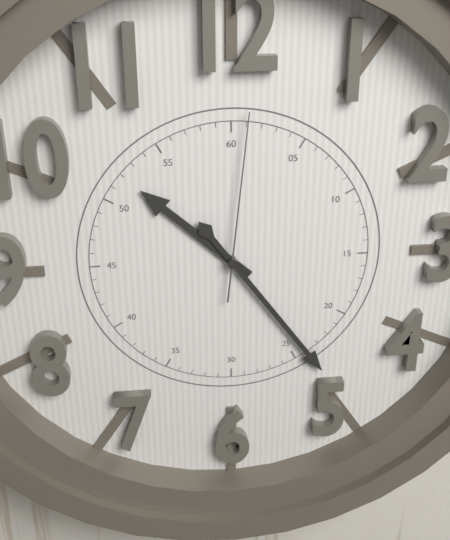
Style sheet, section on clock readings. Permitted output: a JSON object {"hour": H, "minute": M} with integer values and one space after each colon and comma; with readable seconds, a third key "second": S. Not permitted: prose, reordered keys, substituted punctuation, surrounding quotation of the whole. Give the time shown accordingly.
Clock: {"hour": 10, "minute": 24, "second": 1}
